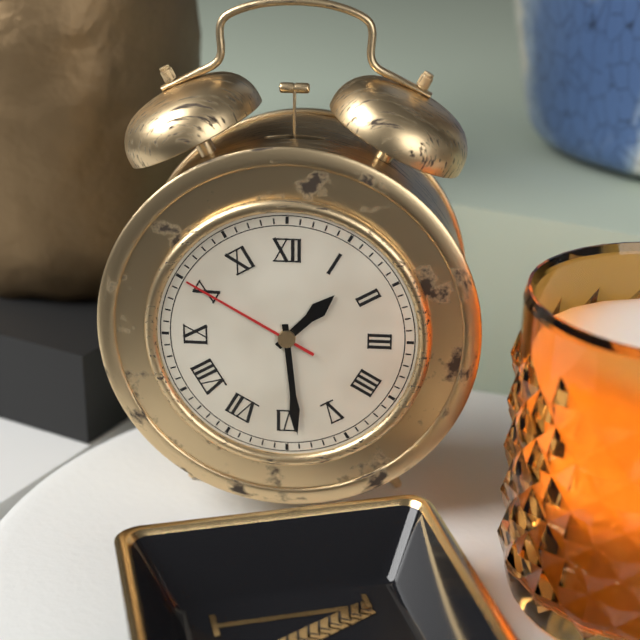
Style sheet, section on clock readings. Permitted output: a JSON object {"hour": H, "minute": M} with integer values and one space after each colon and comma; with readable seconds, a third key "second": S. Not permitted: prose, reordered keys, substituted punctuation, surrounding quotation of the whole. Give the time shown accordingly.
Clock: {"hour": 1, "minute": 29, "second": 50}
